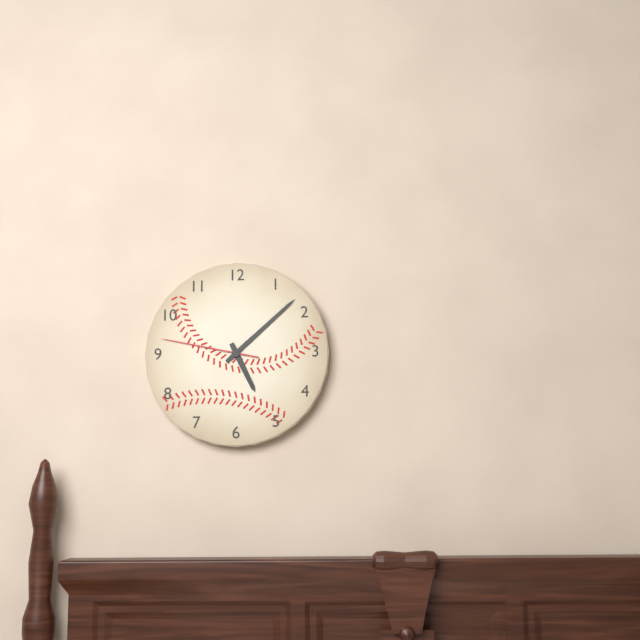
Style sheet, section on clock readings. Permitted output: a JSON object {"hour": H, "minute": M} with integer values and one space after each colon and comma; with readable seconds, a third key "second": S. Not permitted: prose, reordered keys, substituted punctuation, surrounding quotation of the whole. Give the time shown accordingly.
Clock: {"hour": 5, "minute": 8, "second": 47}
